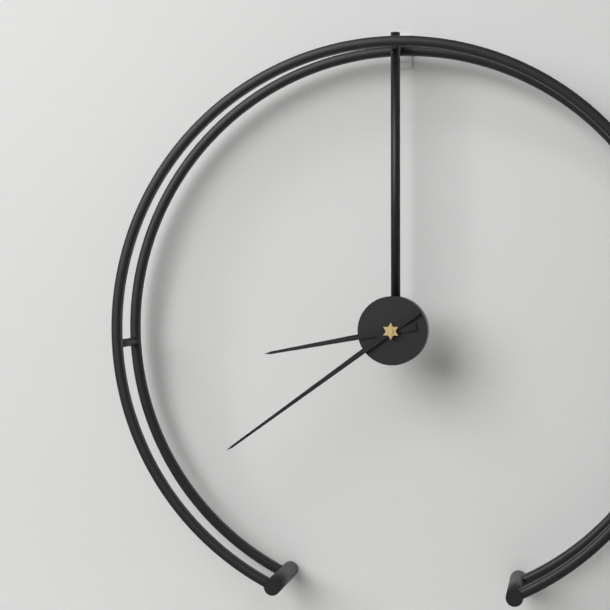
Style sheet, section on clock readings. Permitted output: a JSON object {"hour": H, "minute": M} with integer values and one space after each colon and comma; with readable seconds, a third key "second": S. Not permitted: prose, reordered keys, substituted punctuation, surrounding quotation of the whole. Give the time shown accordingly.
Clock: {"hour": 8, "minute": 39}
